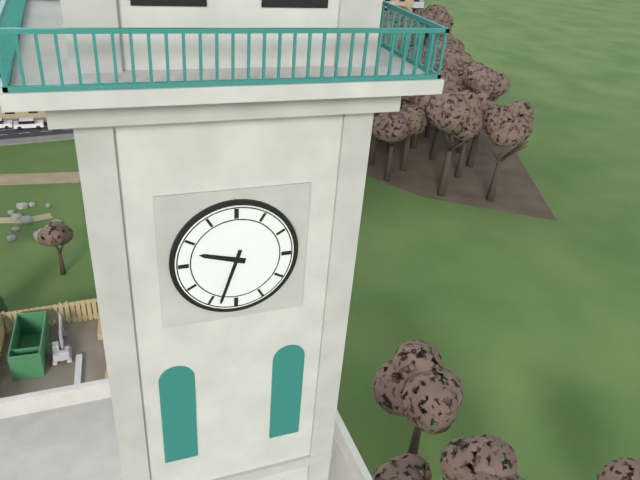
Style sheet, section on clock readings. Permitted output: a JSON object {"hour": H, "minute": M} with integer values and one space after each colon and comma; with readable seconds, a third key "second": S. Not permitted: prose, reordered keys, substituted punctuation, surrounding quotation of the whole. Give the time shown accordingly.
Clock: {"hour": 9, "minute": 33}
